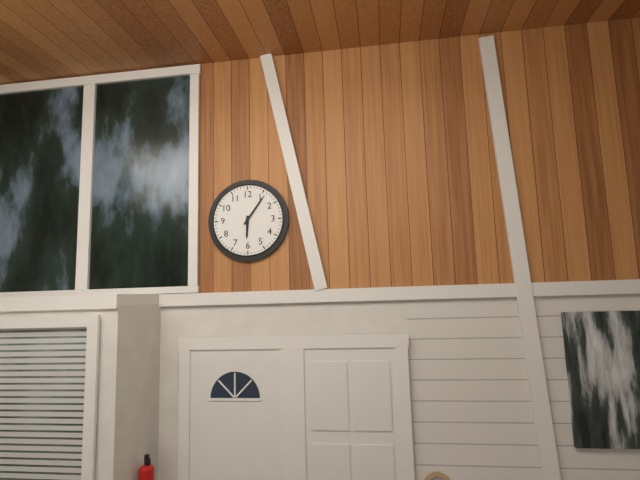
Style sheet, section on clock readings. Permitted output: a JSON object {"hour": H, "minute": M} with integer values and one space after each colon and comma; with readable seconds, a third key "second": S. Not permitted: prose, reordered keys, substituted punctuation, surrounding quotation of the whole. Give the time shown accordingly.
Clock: {"hour": 6, "minute": 6}
